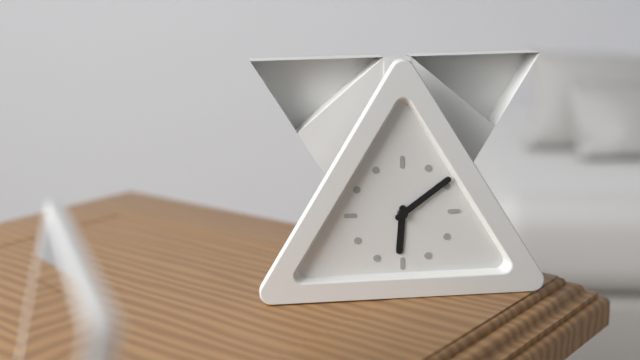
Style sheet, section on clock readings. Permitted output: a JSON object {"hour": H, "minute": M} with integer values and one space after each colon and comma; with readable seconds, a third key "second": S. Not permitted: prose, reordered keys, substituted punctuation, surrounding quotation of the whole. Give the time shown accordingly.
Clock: {"hour": 6, "minute": 9}
